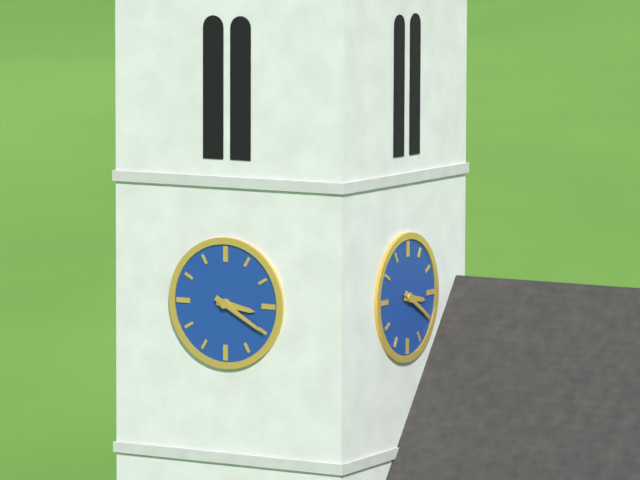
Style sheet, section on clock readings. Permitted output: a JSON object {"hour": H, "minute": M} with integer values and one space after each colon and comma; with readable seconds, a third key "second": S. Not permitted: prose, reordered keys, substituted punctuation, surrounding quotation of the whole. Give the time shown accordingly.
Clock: {"hour": 3, "minute": 20}
